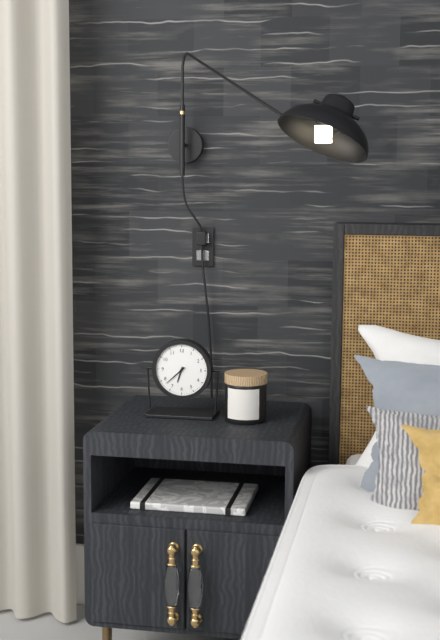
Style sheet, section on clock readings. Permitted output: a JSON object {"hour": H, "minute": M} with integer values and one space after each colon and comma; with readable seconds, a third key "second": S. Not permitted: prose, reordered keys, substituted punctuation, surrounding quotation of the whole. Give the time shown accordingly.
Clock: {"hour": 6, "minute": 38}
